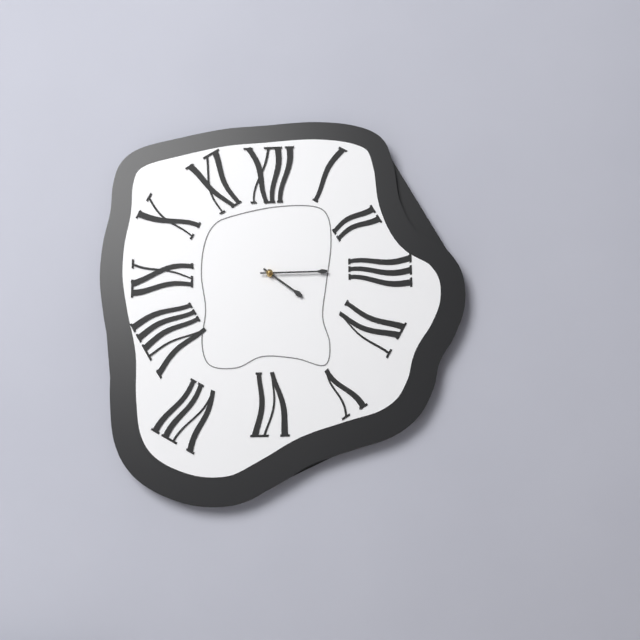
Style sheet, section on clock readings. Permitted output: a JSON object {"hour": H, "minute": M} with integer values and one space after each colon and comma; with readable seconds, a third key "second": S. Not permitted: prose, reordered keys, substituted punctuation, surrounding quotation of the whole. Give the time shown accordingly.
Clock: {"hour": 4, "minute": 15}
